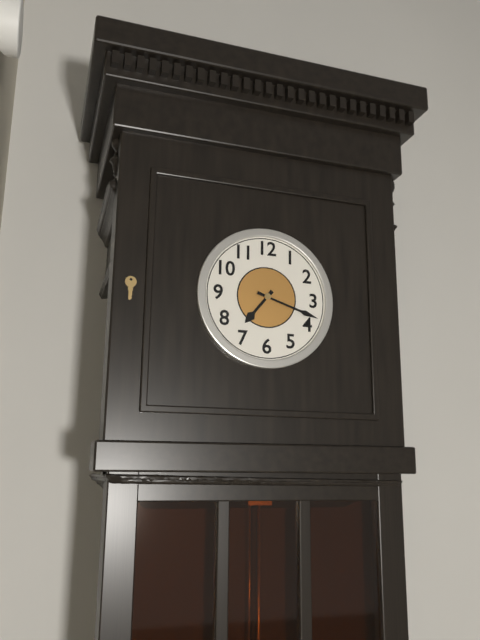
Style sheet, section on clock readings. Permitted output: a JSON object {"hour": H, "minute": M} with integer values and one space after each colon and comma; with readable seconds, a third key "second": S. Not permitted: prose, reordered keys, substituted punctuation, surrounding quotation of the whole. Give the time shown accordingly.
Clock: {"hour": 7, "minute": 18}
